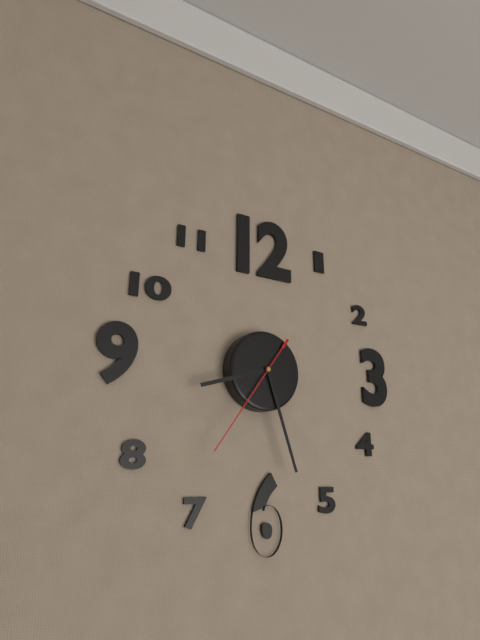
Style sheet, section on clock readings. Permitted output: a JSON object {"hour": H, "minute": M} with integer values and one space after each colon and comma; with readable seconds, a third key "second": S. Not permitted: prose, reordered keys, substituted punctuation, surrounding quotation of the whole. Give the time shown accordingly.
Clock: {"hour": 8, "minute": 27, "second": 36}
